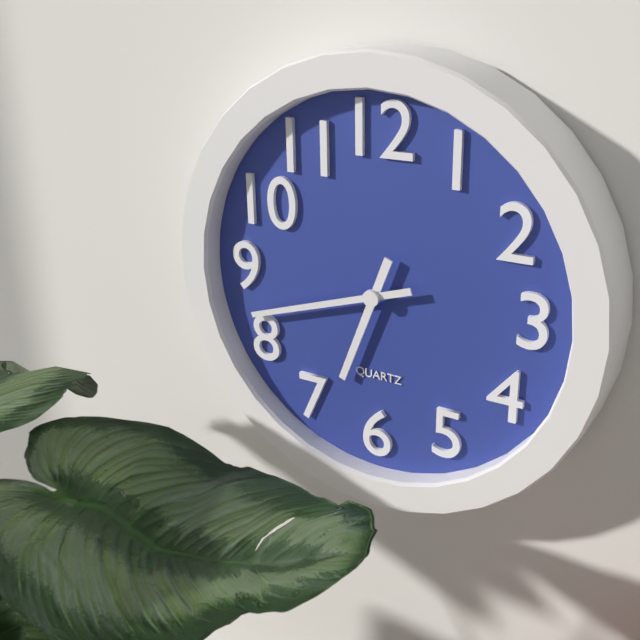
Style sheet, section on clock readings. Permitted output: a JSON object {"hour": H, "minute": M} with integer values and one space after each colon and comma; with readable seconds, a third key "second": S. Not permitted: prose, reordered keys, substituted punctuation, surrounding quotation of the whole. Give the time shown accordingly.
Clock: {"hour": 6, "minute": 42}
